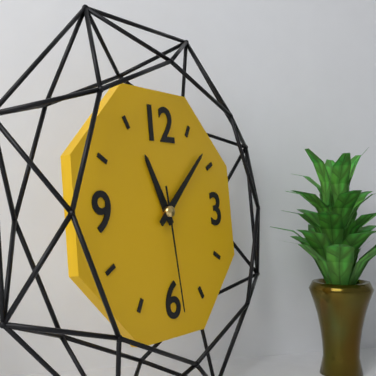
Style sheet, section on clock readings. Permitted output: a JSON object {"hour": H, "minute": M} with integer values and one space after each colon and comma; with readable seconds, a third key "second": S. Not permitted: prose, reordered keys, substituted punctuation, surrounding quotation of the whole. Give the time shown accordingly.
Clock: {"hour": 11, "minute": 8, "second": 29}
